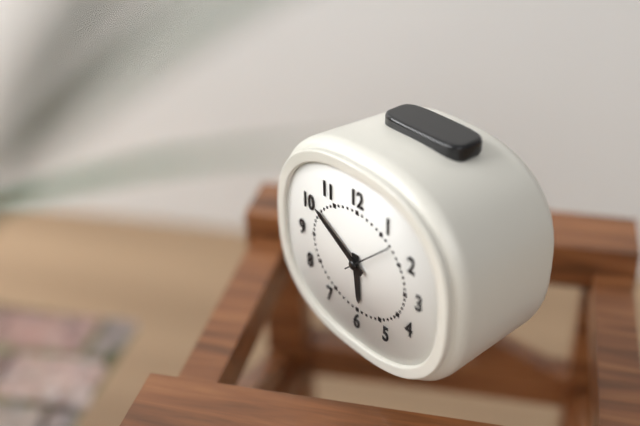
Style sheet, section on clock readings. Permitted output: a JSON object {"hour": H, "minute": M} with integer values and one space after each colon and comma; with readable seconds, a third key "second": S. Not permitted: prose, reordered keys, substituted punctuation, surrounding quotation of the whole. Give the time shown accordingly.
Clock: {"hour": 5, "minute": 50}
